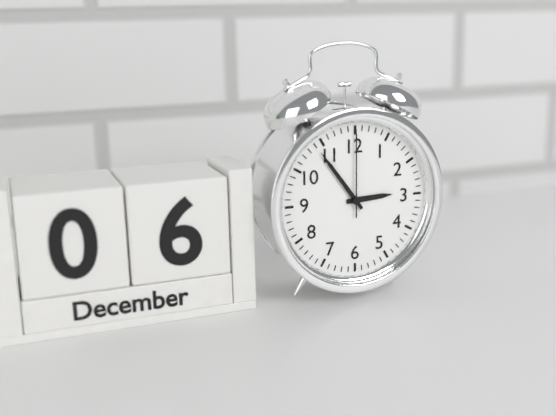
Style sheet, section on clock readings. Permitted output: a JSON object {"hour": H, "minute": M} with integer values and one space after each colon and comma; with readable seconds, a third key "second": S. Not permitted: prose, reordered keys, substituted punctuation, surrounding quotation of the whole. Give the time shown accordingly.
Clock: {"hour": 2, "minute": 54, "second": 0}
